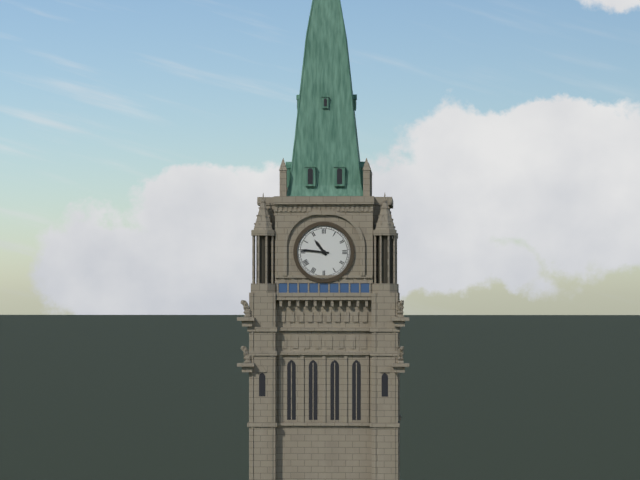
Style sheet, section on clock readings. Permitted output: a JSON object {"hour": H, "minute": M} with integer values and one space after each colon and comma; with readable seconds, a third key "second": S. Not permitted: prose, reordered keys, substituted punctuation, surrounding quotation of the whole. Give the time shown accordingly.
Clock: {"hour": 10, "minute": 46}
